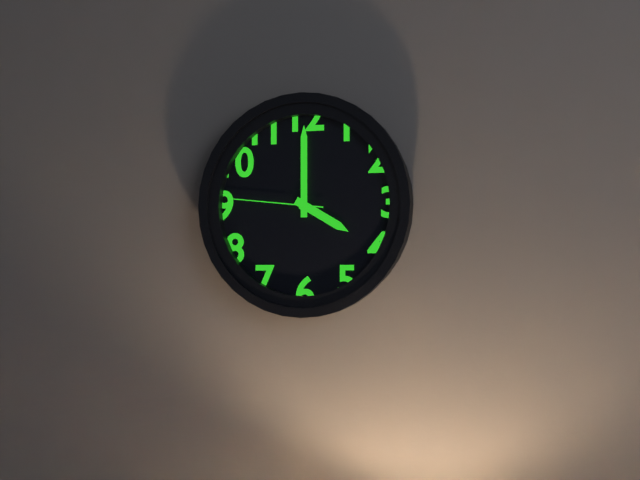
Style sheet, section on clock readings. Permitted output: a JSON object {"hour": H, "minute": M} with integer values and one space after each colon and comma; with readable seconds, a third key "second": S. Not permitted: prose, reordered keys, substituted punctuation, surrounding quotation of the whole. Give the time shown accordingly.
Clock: {"hour": 4, "minute": 0, "second": 46}
